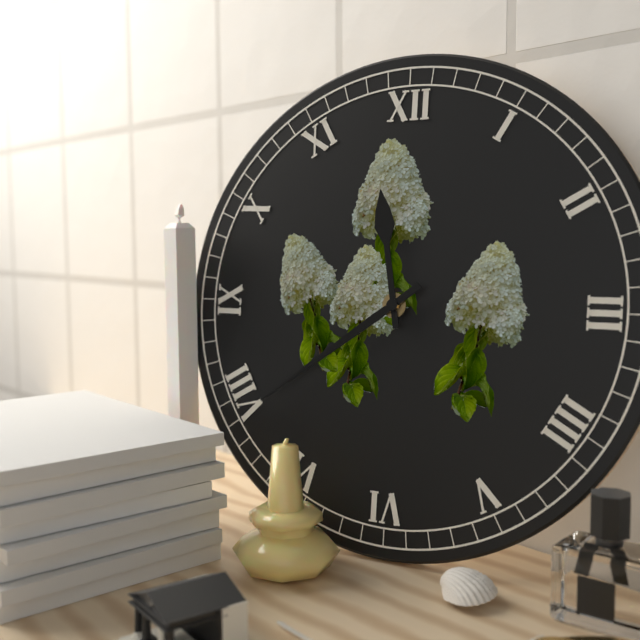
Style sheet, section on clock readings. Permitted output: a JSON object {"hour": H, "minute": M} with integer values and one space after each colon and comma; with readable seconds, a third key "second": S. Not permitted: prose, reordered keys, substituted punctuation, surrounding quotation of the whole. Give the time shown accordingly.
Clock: {"hour": 11, "minute": 39}
